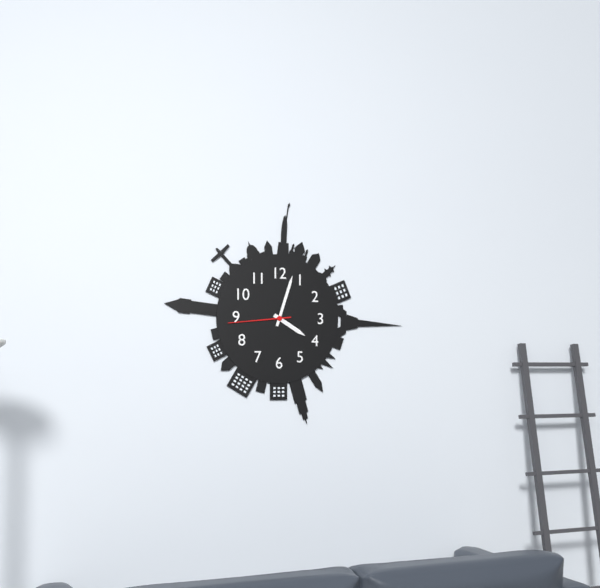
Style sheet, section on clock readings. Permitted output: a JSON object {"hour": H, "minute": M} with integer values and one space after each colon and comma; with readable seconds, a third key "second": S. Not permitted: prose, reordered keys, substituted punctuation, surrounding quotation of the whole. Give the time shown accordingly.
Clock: {"hour": 4, "minute": 3, "second": 44}
